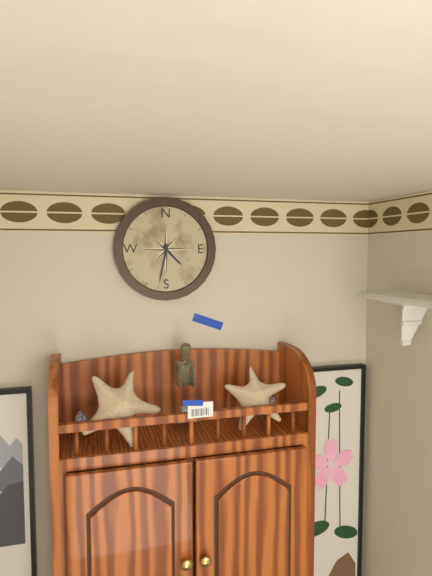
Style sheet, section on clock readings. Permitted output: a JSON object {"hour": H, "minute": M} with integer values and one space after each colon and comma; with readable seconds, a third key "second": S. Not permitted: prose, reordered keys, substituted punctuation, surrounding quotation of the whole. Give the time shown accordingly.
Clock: {"hour": 4, "minute": 32}
